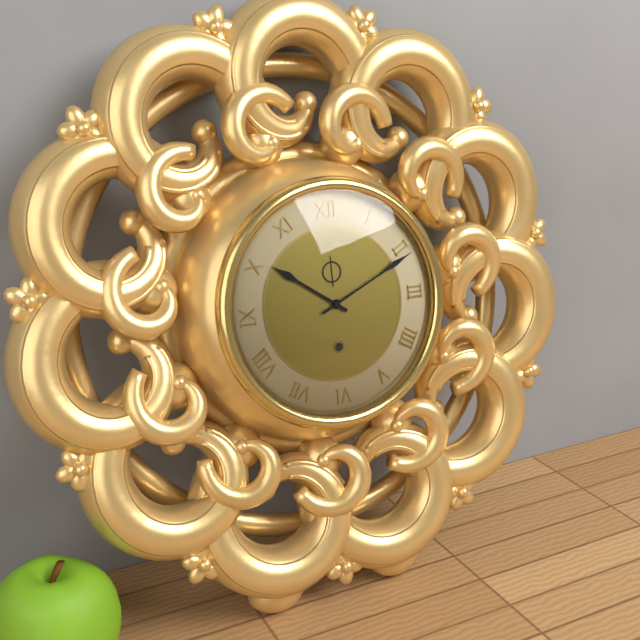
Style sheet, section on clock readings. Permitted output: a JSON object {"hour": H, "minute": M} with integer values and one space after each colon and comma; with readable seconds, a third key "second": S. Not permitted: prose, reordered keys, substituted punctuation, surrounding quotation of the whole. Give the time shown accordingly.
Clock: {"hour": 10, "minute": 11}
